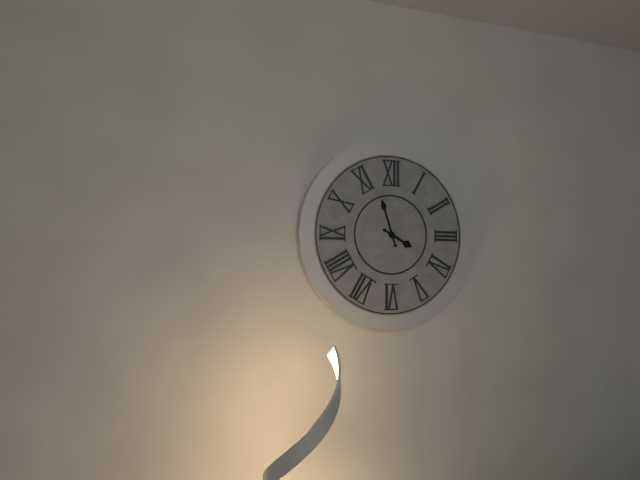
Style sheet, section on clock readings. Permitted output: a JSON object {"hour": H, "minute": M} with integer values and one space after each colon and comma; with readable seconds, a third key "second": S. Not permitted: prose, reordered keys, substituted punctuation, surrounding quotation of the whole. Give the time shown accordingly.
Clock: {"hour": 3, "minute": 57}
